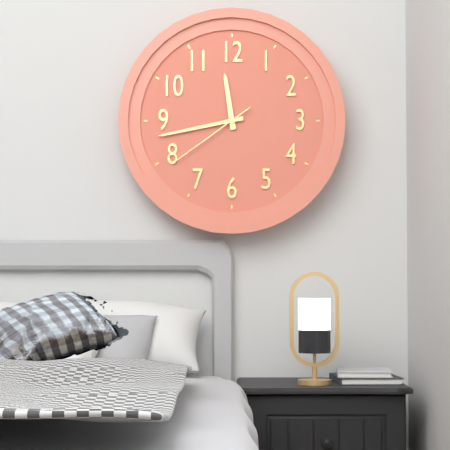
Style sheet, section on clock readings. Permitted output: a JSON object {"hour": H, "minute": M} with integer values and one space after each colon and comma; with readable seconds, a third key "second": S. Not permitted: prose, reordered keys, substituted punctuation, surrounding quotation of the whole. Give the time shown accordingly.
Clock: {"hour": 11, "minute": 43, "second": 39}
